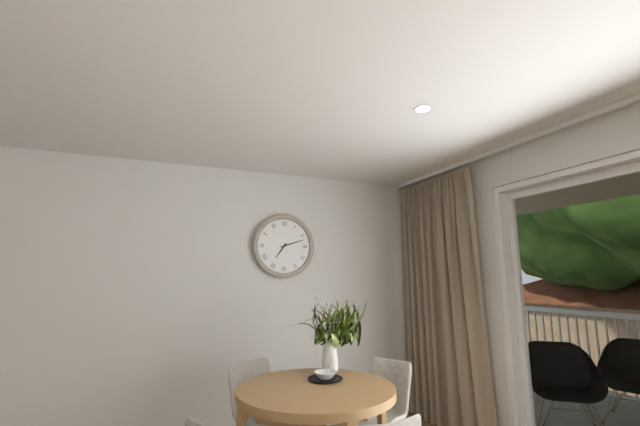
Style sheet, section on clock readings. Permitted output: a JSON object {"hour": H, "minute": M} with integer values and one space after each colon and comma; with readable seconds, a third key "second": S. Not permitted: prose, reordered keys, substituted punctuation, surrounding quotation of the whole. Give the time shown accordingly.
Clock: {"hour": 7, "minute": 12}
